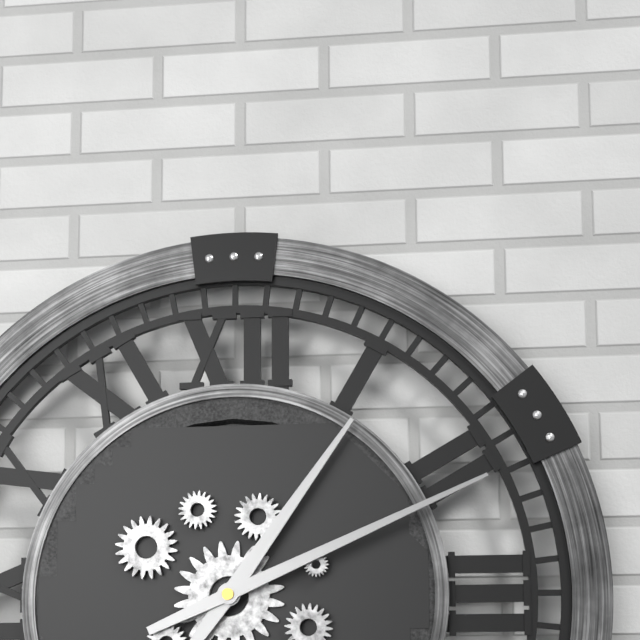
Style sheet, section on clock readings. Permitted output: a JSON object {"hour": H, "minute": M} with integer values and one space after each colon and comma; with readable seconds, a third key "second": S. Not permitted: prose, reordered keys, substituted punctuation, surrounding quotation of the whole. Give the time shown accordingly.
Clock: {"hour": 1, "minute": 11}
